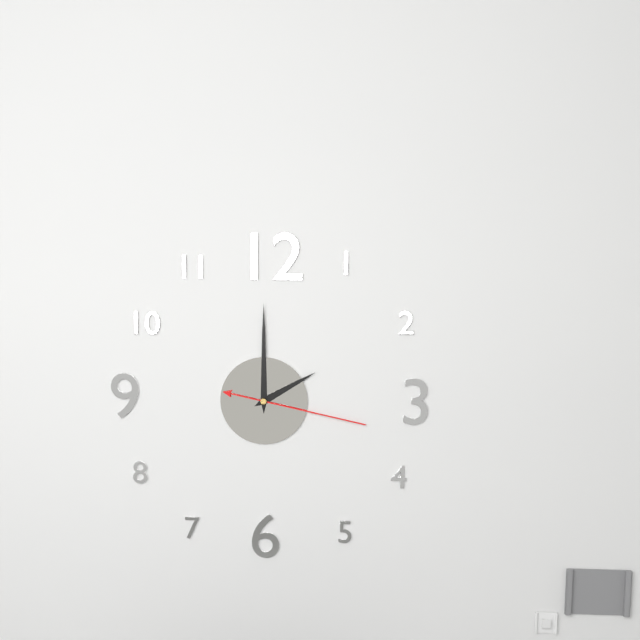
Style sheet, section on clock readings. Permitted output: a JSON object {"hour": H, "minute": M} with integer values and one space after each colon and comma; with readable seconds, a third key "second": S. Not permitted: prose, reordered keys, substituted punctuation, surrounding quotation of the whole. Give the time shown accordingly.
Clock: {"hour": 2, "minute": 0, "second": 17}
